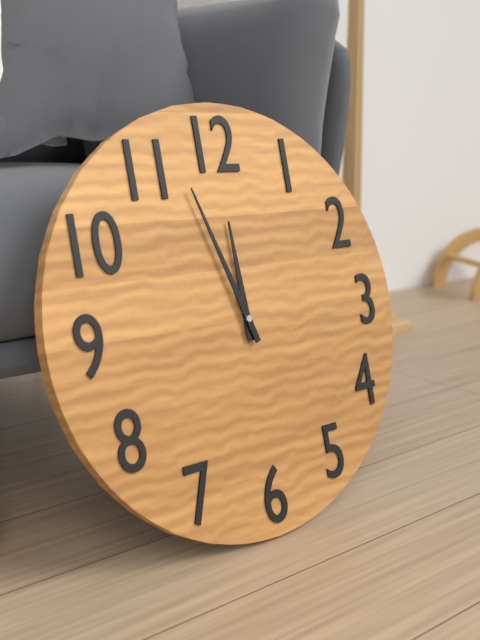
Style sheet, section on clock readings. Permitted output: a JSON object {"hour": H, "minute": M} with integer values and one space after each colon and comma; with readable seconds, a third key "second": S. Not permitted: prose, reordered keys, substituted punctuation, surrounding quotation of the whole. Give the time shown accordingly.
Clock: {"hour": 11, "minute": 57}
